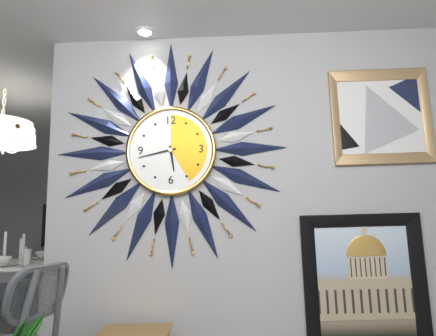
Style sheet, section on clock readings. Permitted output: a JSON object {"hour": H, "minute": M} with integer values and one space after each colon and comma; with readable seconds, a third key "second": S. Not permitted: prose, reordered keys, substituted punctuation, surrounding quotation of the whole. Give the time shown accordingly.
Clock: {"hour": 5, "minute": 43}
